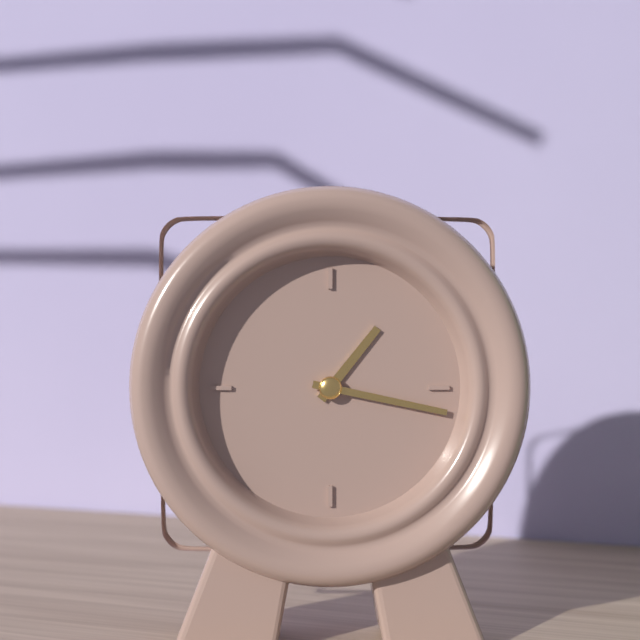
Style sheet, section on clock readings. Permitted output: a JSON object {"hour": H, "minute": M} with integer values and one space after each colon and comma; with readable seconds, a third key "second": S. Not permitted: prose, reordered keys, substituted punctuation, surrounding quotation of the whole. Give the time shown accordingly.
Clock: {"hour": 1, "minute": 17}
